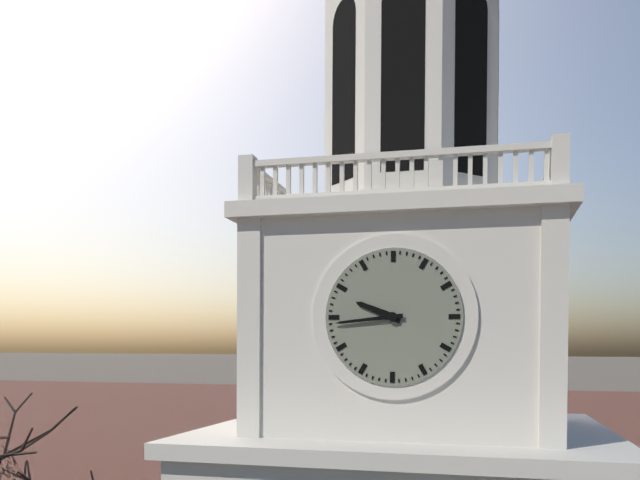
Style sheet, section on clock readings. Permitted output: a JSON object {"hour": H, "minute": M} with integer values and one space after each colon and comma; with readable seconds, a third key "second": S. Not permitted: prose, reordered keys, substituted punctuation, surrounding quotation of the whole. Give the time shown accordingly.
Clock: {"hour": 9, "minute": 44}
